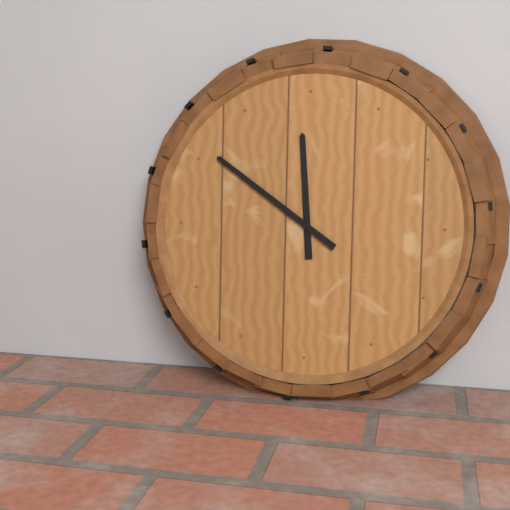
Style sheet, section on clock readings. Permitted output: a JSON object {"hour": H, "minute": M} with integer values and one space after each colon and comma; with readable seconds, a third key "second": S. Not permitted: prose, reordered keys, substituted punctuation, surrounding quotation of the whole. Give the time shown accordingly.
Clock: {"hour": 11, "minute": 51}
